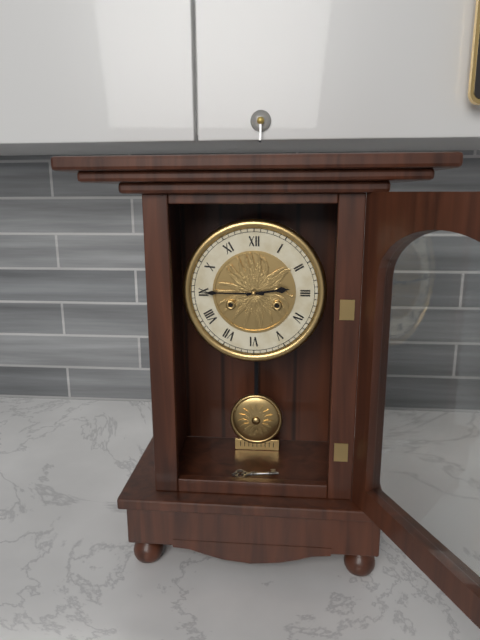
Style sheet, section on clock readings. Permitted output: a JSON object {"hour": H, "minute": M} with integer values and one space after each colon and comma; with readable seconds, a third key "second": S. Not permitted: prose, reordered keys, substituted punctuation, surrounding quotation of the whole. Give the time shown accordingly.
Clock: {"hour": 2, "minute": 45}
